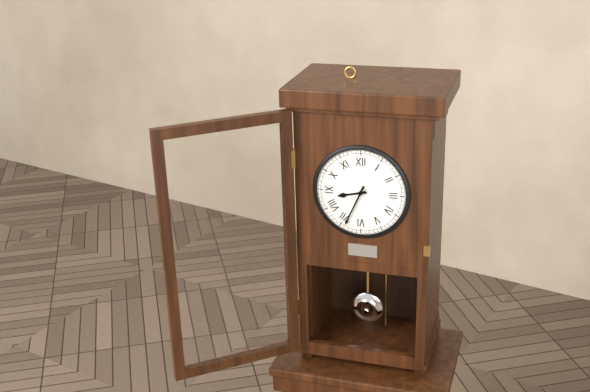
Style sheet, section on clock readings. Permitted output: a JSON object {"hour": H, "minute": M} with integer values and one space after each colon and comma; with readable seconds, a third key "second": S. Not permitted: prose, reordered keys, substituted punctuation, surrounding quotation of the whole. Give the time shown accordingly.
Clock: {"hour": 8, "minute": 34}
